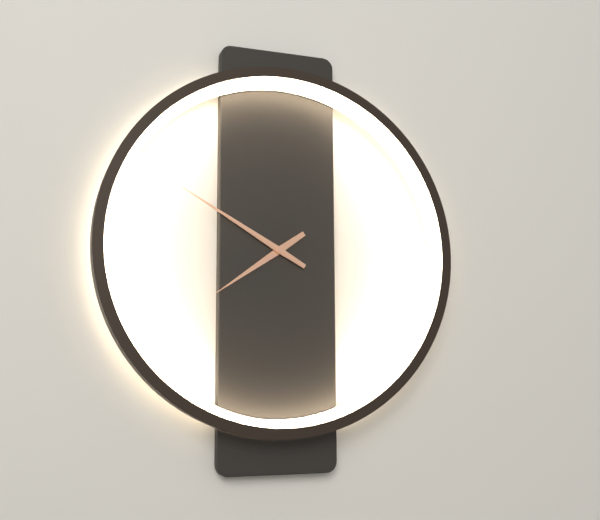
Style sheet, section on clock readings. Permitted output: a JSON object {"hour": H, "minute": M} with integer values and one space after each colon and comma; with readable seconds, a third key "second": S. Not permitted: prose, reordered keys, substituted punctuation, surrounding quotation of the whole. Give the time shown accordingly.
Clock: {"hour": 7, "minute": 50}
